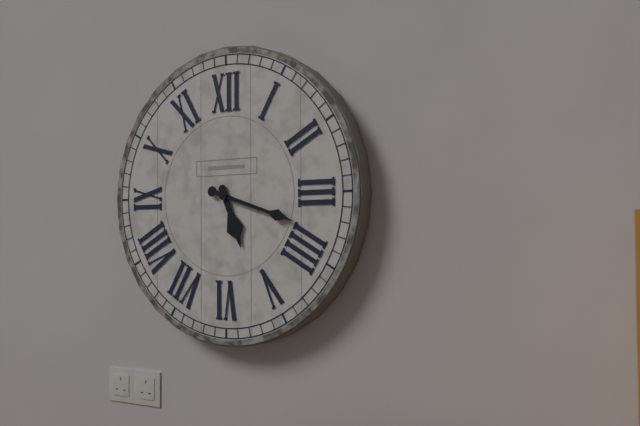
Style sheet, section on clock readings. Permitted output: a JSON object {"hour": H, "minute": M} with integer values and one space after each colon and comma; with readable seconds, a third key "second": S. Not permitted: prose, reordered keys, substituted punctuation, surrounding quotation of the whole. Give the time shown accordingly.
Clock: {"hour": 5, "minute": 18}
